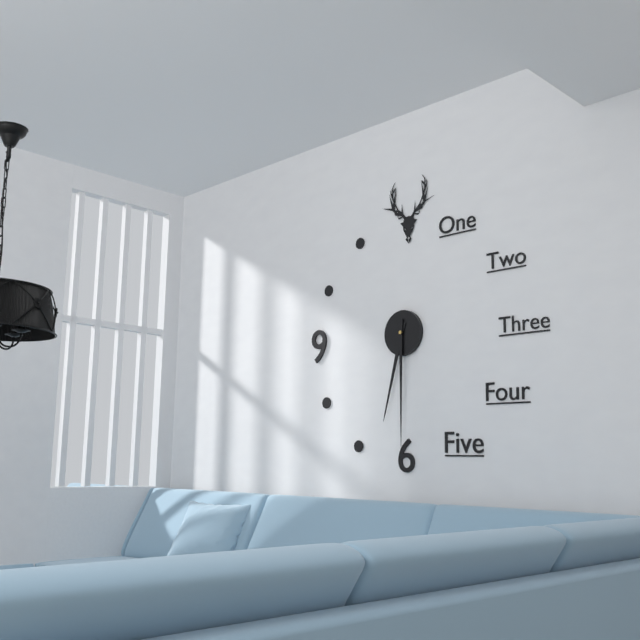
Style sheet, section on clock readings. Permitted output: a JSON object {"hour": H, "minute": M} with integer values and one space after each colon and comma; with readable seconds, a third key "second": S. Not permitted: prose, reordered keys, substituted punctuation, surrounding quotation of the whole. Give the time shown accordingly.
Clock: {"hour": 6, "minute": 30}
